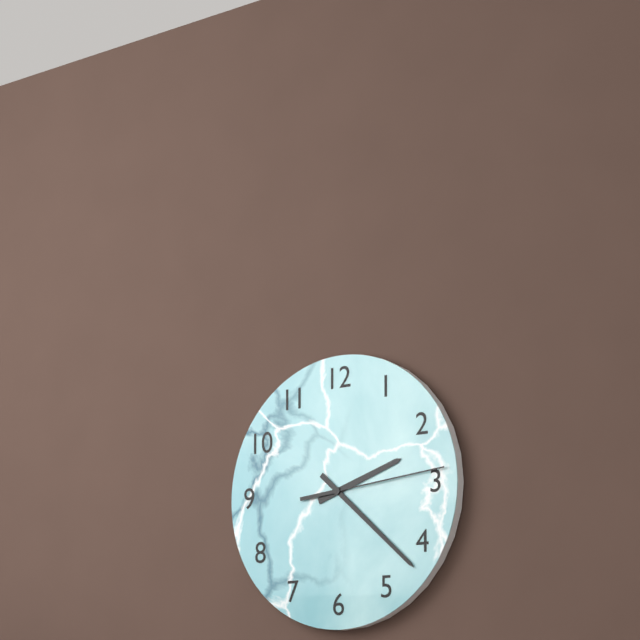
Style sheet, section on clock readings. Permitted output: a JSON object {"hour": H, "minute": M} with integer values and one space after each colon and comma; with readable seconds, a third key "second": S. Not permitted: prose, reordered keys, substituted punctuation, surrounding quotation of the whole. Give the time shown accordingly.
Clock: {"hour": 2, "minute": 22, "second": 14}
